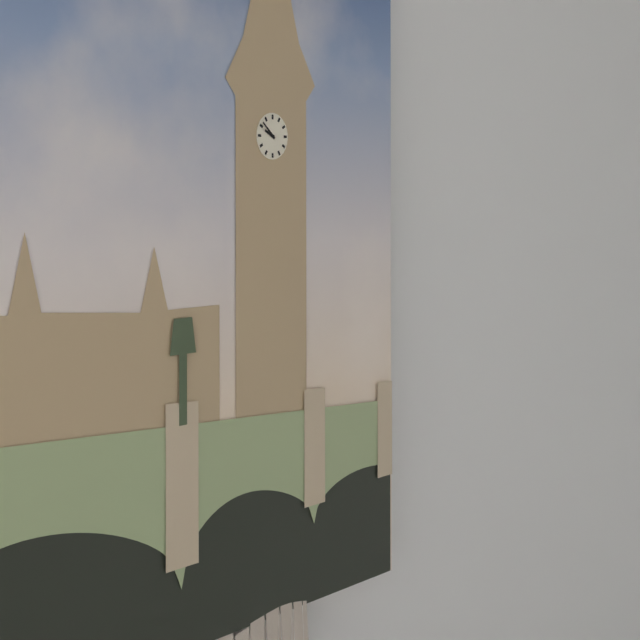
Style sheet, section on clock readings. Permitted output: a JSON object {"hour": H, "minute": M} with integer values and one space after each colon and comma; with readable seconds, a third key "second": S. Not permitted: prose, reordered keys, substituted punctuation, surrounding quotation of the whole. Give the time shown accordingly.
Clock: {"hour": 9, "minute": 52}
